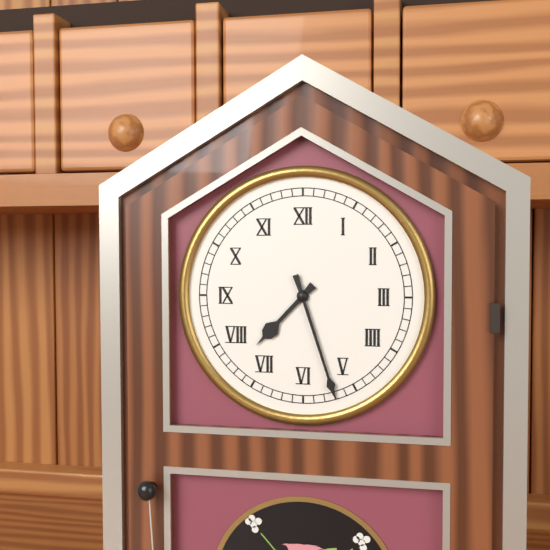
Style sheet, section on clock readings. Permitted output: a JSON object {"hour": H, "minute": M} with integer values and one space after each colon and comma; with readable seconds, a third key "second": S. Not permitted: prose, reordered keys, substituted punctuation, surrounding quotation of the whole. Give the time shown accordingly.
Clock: {"hour": 7, "minute": 27}
